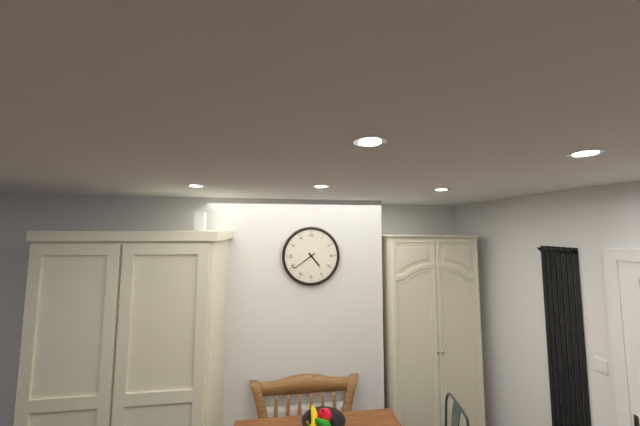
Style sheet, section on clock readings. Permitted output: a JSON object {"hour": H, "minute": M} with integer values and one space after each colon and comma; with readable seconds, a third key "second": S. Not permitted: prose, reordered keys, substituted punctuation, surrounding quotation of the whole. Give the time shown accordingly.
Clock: {"hour": 4, "minute": 39}
